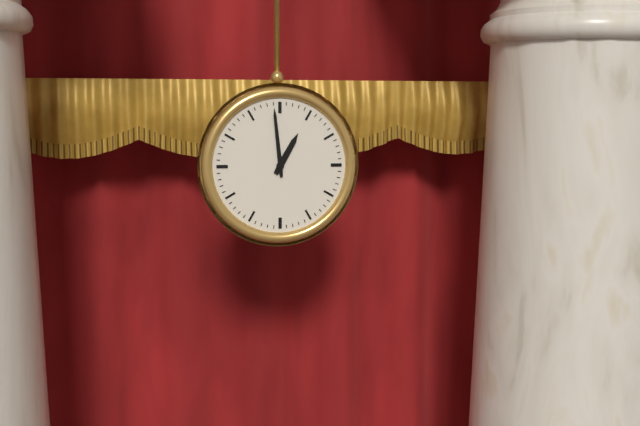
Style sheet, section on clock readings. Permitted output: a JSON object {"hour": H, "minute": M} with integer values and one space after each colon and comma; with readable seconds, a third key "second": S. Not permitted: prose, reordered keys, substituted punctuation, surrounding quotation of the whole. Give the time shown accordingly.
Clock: {"hour": 12, "minute": 59}
